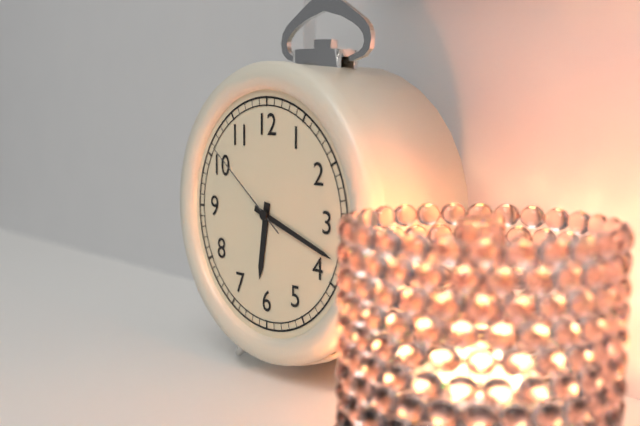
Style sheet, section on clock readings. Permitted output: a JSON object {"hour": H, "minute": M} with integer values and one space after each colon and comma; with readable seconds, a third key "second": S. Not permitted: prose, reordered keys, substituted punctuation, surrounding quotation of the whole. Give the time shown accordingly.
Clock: {"hour": 6, "minute": 18, "second": 51}
